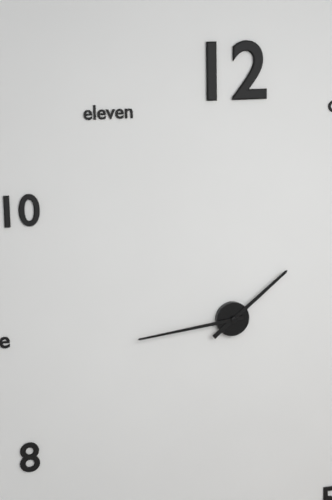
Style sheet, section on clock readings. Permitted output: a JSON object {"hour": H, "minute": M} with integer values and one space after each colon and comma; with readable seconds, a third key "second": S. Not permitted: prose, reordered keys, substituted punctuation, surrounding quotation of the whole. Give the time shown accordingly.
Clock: {"hour": 1, "minute": 44}
